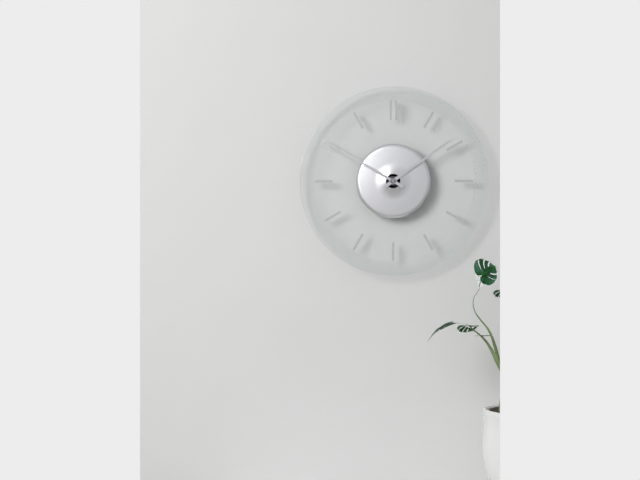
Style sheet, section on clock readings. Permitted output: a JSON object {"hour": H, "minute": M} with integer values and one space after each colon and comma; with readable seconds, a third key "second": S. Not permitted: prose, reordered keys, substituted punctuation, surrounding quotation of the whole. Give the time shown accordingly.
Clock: {"hour": 1, "minute": 50}
